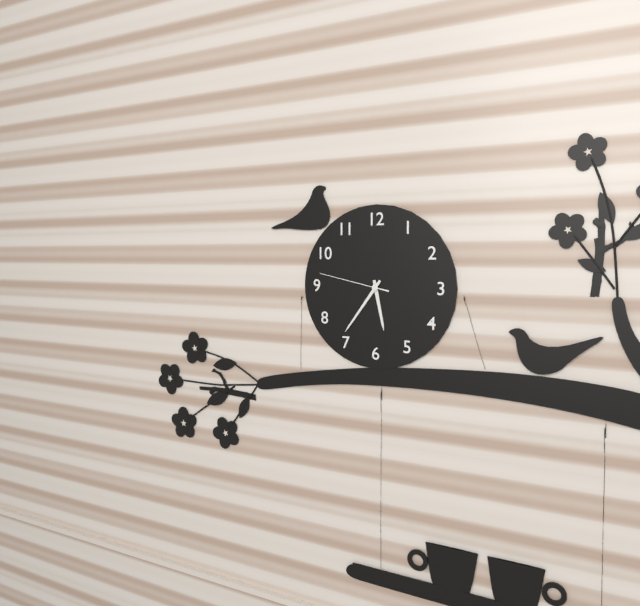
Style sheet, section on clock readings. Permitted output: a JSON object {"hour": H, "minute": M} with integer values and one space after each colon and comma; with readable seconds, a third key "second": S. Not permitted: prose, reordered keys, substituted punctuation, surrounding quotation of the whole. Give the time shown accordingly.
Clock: {"hour": 5, "minute": 36, "second": 47}
